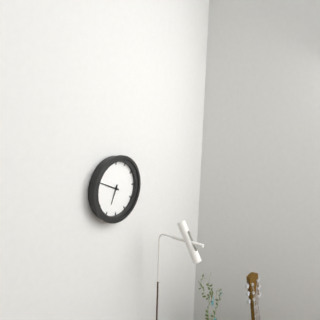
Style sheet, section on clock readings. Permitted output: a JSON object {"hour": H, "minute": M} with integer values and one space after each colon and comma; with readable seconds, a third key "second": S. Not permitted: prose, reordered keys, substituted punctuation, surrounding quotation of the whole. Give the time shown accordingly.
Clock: {"hour": 6, "minute": 49}
